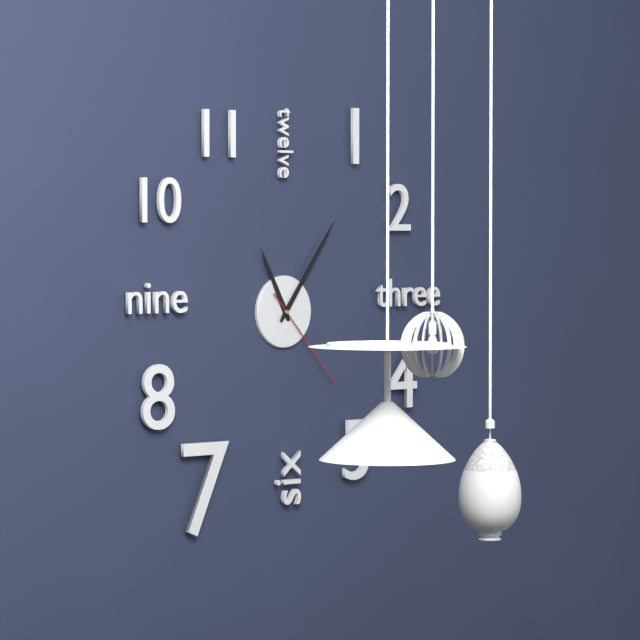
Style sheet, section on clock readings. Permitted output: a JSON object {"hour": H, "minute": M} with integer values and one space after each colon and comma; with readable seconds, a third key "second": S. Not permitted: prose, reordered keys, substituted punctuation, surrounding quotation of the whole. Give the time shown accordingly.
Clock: {"hour": 11, "minute": 6, "second": 23}
